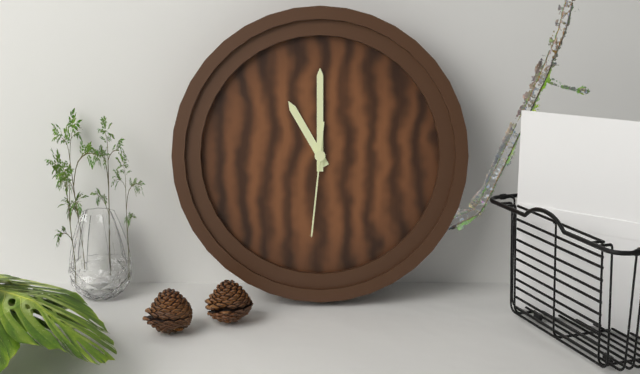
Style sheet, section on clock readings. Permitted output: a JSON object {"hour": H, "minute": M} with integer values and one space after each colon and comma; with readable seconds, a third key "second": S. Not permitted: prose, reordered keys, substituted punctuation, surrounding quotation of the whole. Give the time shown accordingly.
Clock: {"hour": 11, "minute": 0, "second": 31}
